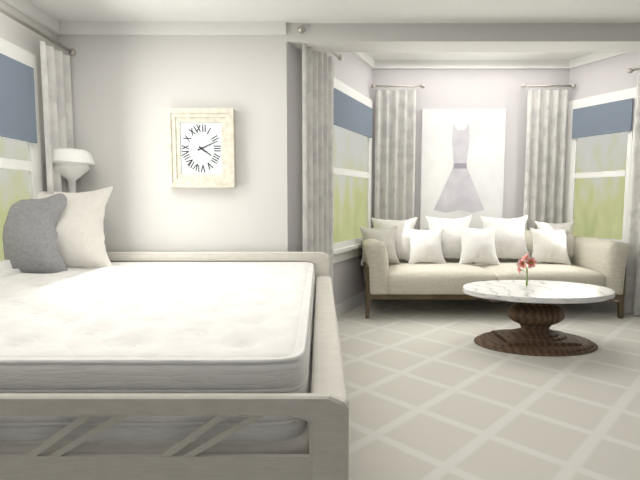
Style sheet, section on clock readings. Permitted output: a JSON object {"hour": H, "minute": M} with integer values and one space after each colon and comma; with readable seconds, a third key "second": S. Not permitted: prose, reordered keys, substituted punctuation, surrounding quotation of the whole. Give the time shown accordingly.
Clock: {"hour": 4, "minute": 11}
